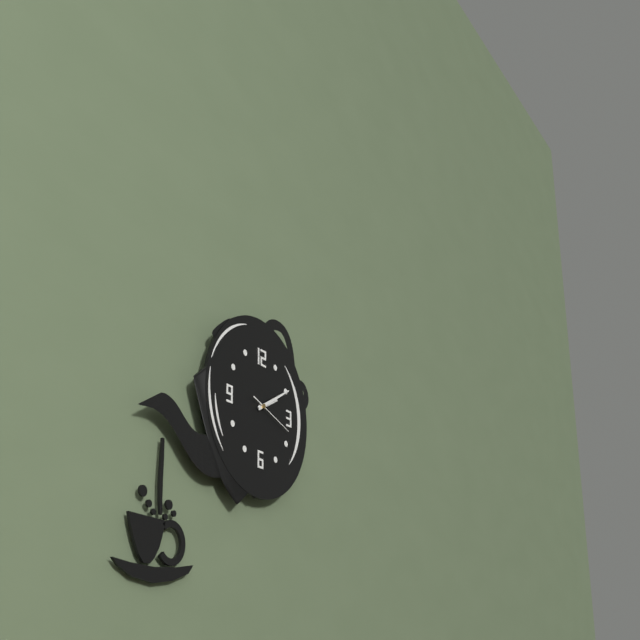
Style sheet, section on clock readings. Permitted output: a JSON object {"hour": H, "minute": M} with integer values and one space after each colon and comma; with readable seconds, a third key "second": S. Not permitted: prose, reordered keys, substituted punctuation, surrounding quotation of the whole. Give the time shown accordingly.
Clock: {"hour": 2, "minute": 10}
